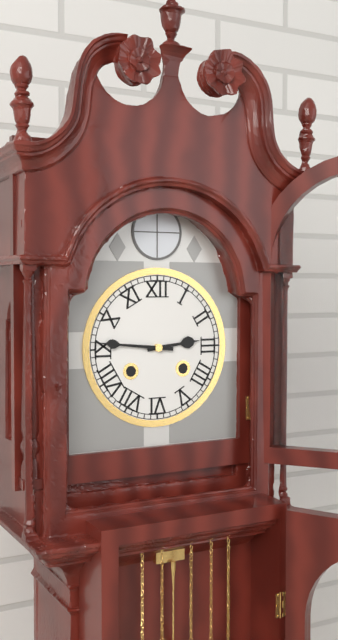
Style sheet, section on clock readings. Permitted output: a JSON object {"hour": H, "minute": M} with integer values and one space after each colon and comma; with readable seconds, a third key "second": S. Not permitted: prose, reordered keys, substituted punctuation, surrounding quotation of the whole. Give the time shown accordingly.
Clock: {"hour": 2, "minute": 46}
